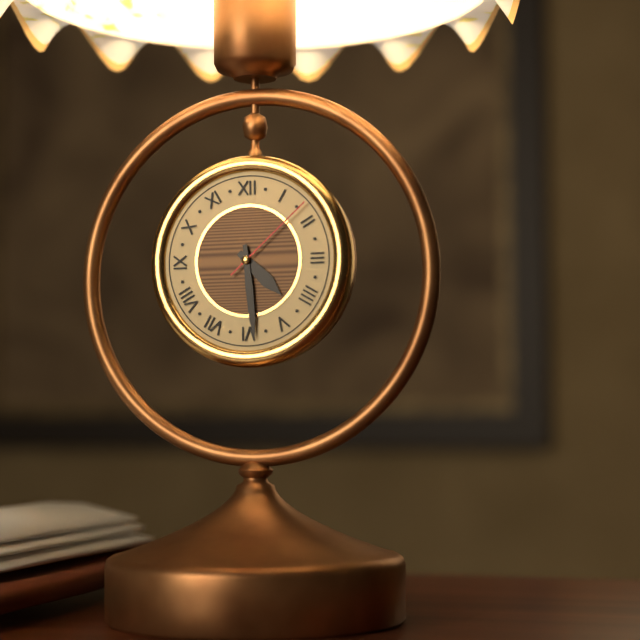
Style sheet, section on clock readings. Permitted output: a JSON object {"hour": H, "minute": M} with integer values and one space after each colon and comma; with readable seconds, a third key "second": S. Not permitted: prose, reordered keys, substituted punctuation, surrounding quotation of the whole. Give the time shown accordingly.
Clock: {"hour": 4, "minute": 29, "second": 8}
